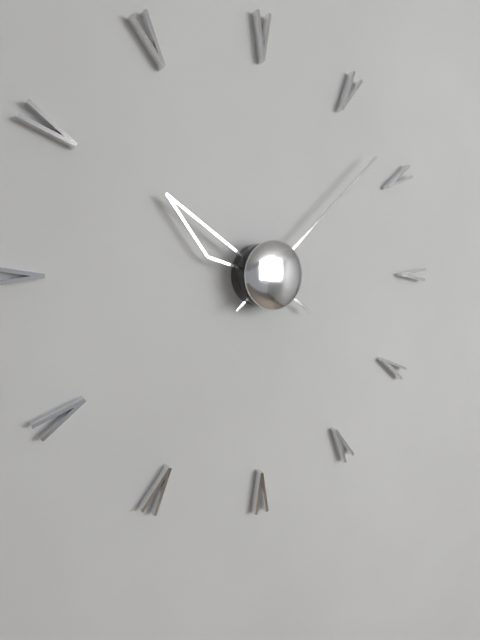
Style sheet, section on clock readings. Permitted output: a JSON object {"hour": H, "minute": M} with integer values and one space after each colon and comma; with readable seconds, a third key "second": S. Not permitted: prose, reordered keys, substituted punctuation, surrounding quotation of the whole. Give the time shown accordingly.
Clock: {"hour": 10, "minute": 8}
